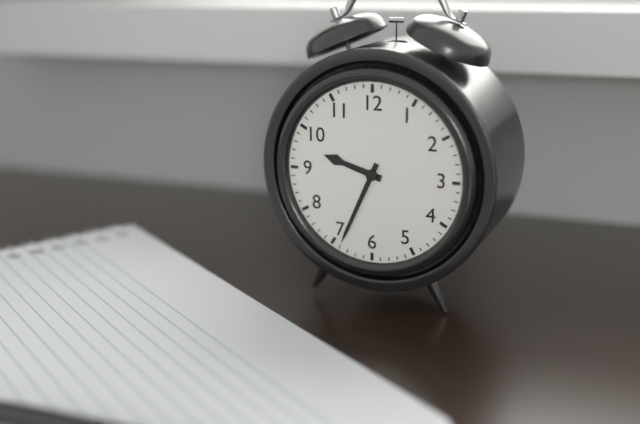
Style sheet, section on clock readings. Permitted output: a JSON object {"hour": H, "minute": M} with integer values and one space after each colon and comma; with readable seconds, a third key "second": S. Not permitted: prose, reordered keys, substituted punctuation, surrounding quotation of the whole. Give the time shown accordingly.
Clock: {"hour": 9, "minute": 34}
